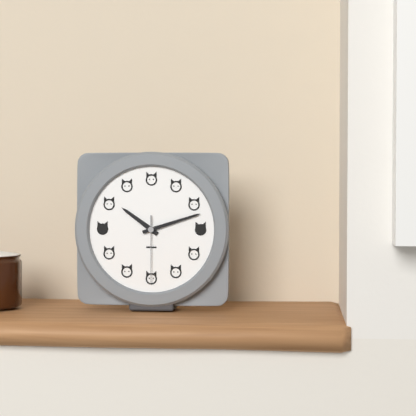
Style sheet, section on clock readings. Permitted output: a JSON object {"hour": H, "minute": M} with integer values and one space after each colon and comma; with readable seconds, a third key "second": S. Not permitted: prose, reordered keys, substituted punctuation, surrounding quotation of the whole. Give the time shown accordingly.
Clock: {"hour": 10, "minute": 12, "second": 30}
